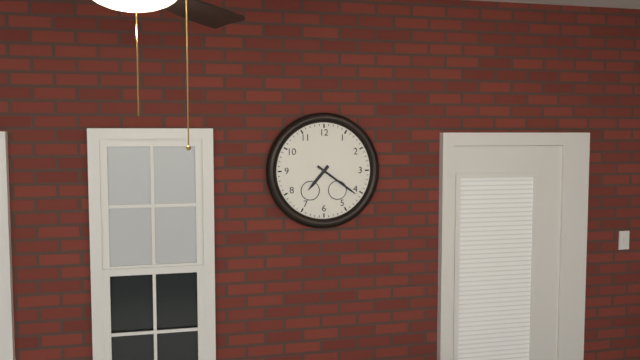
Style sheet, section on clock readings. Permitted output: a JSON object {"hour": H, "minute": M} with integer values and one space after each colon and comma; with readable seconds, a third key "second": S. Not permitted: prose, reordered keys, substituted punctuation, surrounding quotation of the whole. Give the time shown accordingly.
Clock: {"hour": 7, "minute": 21}
